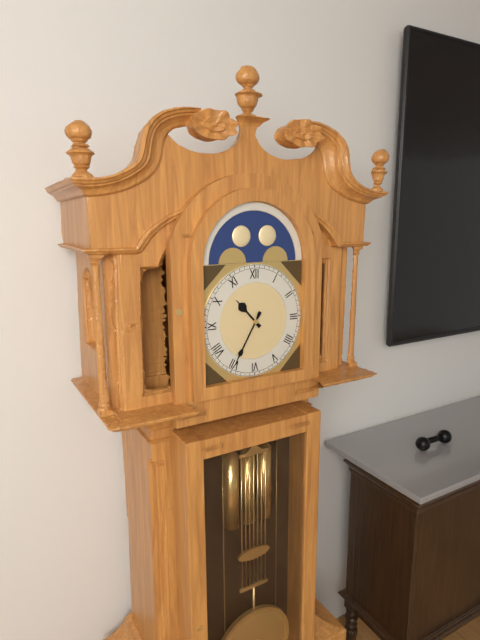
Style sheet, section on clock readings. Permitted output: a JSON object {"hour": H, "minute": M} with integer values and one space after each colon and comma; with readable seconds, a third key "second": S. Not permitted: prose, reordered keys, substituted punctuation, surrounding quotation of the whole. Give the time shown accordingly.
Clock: {"hour": 10, "minute": 35}
